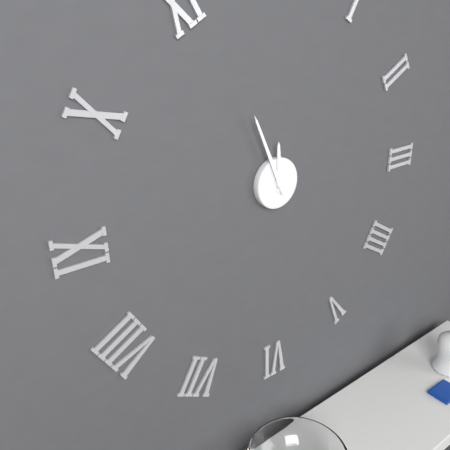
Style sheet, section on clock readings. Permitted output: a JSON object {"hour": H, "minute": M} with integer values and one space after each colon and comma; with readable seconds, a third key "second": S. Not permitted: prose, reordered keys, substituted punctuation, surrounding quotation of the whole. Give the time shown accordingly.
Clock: {"hour": 11, "minute": 56}
